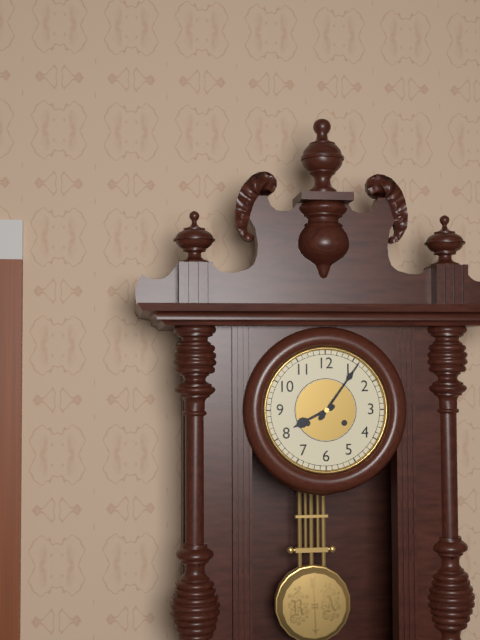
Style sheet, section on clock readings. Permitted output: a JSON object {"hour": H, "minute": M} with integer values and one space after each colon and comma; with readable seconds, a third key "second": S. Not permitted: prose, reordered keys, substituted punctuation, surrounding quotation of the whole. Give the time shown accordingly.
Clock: {"hour": 8, "minute": 6}
